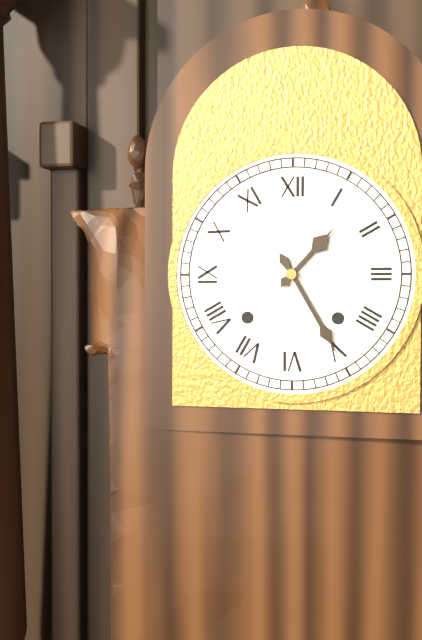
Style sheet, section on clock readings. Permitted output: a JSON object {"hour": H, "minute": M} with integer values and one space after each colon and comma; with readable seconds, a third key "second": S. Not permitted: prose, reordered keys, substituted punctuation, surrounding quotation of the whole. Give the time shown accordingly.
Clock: {"hour": 1, "minute": 25}
